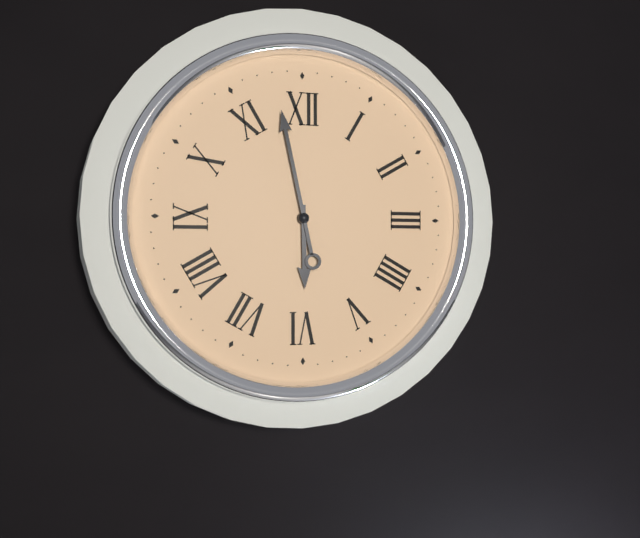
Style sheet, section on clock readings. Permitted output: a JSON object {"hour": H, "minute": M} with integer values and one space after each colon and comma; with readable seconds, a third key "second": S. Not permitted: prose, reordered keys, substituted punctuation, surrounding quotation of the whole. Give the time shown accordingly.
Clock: {"hour": 5, "minute": 58}
